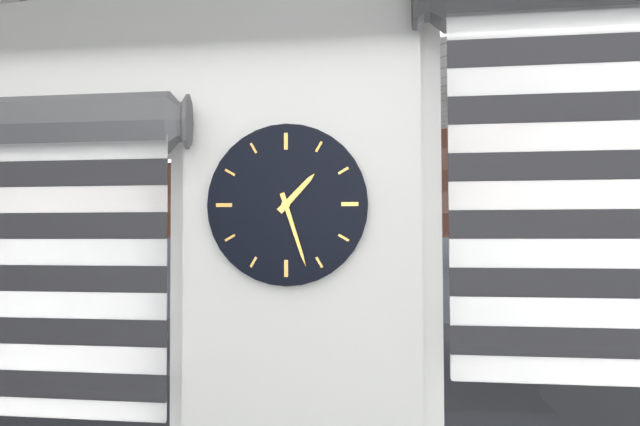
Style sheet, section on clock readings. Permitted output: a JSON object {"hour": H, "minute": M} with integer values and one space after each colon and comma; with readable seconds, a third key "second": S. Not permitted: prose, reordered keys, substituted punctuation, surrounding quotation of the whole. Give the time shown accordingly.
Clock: {"hour": 1, "minute": 27}
